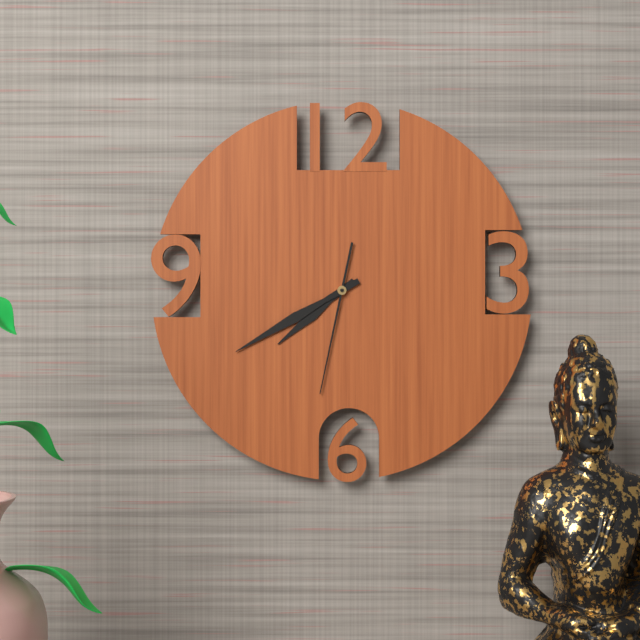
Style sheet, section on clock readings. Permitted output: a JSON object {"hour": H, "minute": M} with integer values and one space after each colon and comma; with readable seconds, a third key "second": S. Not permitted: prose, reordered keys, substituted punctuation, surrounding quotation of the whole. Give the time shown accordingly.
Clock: {"hour": 7, "minute": 40, "second": 32}
